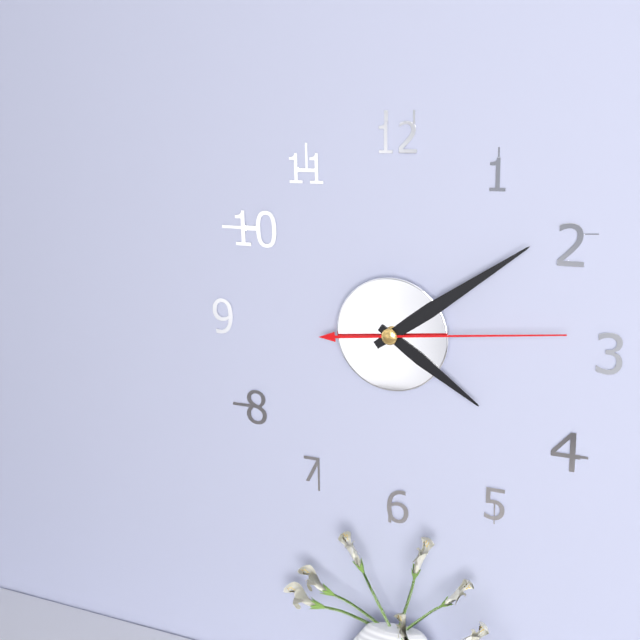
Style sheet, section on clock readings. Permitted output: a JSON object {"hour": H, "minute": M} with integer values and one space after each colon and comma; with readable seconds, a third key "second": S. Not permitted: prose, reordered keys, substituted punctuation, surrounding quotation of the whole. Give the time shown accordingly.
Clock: {"hour": 4, "minute": 9, "second": 14}
